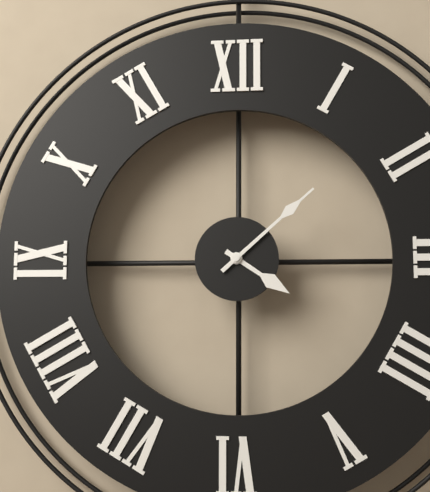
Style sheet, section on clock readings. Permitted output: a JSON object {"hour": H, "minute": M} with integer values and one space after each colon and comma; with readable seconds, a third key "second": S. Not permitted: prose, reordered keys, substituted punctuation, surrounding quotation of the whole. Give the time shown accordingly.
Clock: {"hour": 4, "minute": 8}
